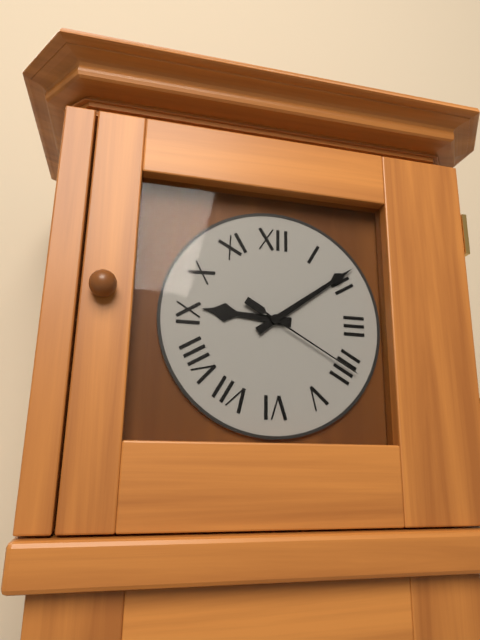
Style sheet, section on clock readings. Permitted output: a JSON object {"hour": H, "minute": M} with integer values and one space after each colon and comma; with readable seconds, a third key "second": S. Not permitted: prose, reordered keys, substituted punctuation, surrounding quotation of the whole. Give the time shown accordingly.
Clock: {"hour": 9, "minute": 9, "second": 20}
